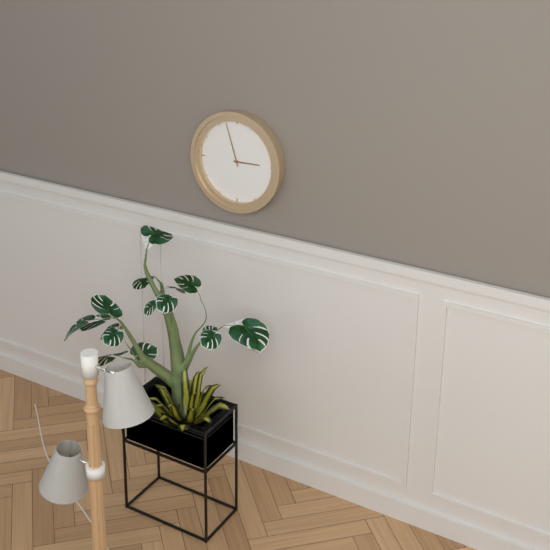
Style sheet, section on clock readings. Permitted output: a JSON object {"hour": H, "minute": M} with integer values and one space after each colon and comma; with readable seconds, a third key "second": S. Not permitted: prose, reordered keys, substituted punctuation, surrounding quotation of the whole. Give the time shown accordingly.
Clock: {"hour": 2, "minute": 57}
